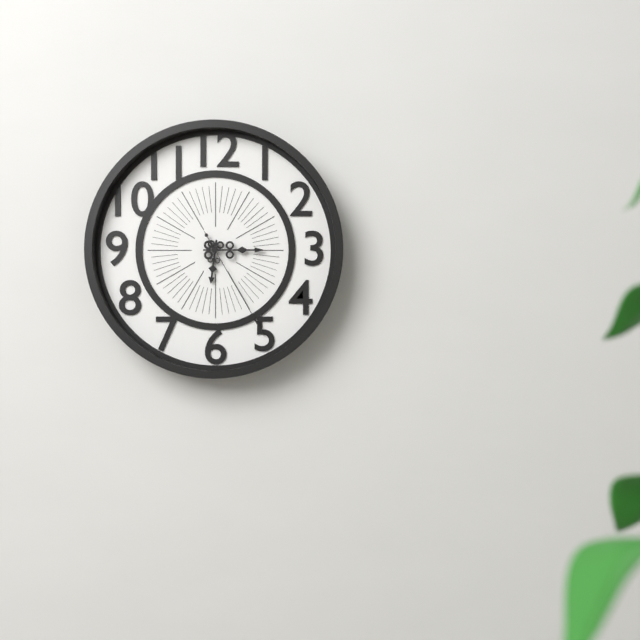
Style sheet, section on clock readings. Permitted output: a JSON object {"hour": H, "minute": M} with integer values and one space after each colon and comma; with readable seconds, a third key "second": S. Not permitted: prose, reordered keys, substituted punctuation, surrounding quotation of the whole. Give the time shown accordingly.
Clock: {"hour": 6, "minute": 15, "second": 25}
